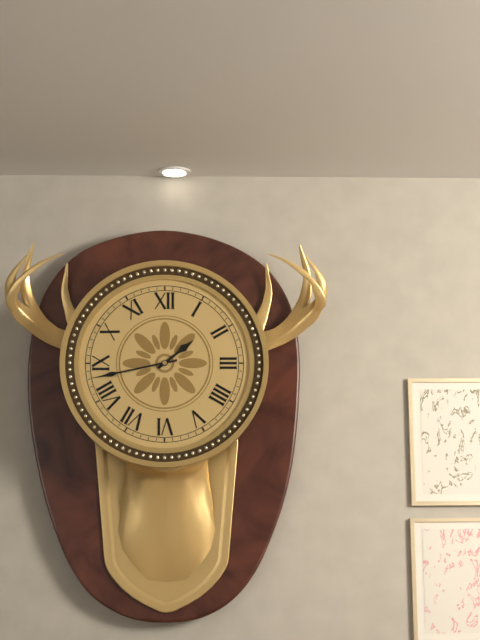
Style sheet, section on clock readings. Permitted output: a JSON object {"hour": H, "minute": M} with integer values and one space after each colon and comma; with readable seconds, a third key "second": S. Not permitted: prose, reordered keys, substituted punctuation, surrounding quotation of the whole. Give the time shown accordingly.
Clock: {"hour": 1, "minute": 43}
